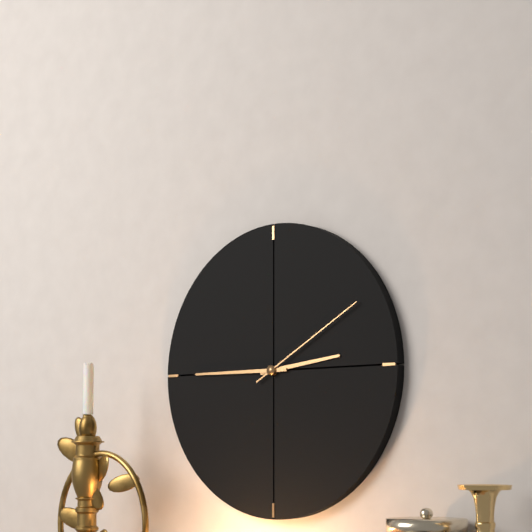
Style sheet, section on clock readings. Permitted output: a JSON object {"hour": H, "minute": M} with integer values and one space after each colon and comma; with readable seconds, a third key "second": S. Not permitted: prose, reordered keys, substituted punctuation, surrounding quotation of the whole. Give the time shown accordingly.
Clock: {"hour": 2, "minute": 45, "second": 10}
